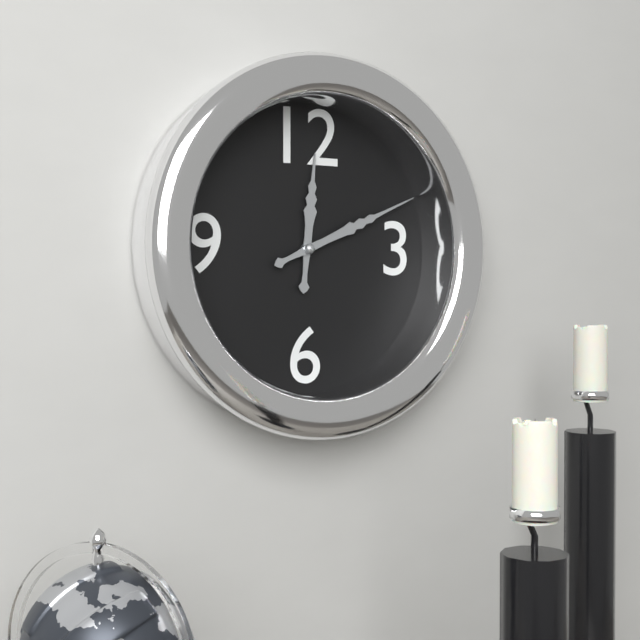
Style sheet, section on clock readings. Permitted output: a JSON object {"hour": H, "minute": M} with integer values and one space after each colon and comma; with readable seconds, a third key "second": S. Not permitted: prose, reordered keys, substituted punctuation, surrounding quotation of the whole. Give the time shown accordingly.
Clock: {"hour": 12, "minute": 11}
